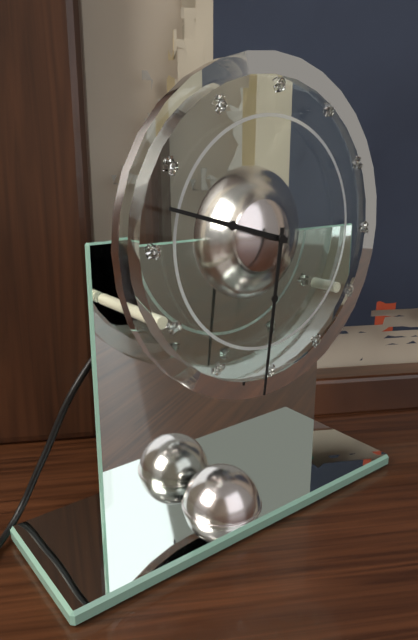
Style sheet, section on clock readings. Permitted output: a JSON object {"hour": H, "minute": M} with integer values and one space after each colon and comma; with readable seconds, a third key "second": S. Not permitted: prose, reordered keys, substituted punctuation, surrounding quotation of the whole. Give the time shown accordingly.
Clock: {"hour": 9, "minute": 31}
